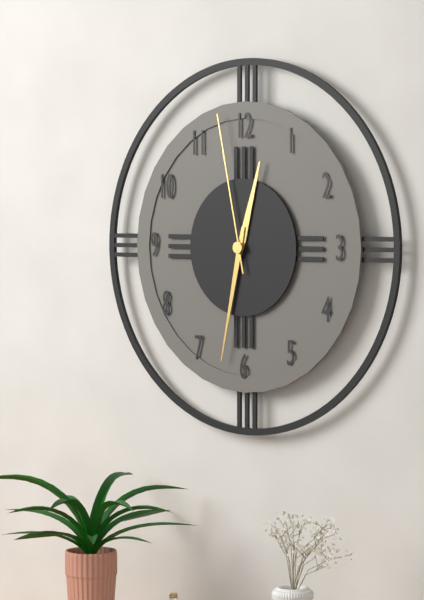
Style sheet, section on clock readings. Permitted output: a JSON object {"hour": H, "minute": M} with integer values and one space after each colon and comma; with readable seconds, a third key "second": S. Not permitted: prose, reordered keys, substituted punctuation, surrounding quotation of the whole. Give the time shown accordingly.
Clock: {"hour": 12, "minute": 32, "second": 58}
